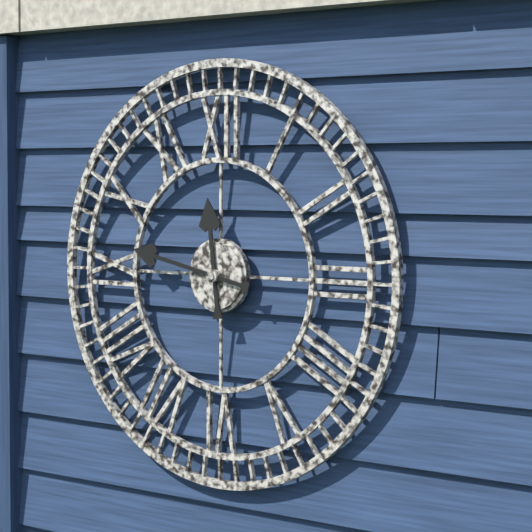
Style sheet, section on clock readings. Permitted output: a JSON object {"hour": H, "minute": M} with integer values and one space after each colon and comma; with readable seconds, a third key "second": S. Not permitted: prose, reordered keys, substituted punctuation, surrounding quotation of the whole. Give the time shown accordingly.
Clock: {"hour": 11, "minute": 47}
